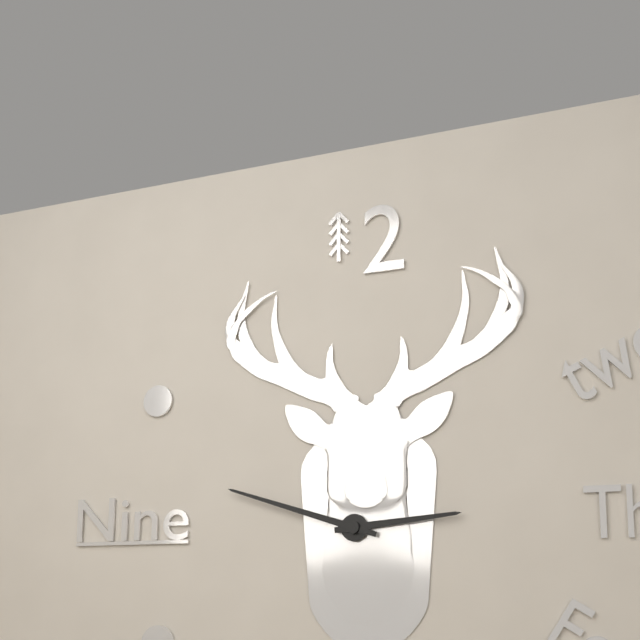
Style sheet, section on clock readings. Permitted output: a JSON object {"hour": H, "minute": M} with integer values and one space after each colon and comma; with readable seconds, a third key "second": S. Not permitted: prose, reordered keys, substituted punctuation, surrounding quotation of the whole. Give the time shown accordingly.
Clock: {"hour": 2, "minute": 48}
